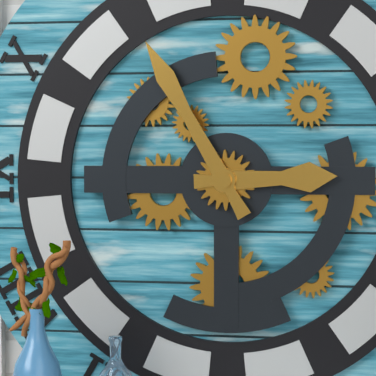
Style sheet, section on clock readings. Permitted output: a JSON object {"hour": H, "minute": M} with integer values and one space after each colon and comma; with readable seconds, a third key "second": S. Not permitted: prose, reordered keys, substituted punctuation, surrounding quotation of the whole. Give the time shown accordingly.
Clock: {"hour": 2, "minute": 55}
